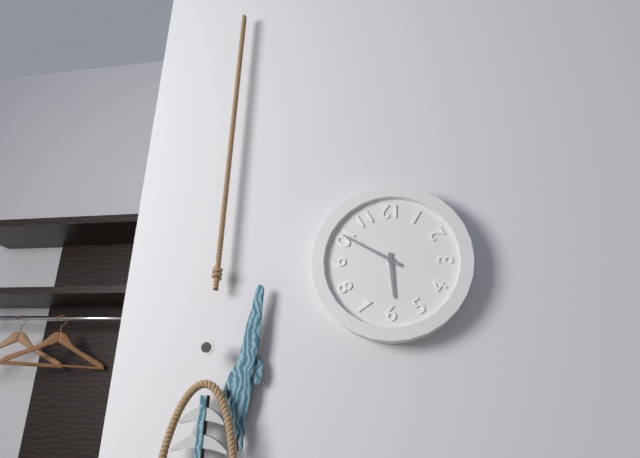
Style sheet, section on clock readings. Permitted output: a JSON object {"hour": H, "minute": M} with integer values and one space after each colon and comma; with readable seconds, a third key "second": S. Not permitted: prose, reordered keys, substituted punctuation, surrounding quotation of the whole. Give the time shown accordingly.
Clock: {"hour": 5, "minute": 50}
